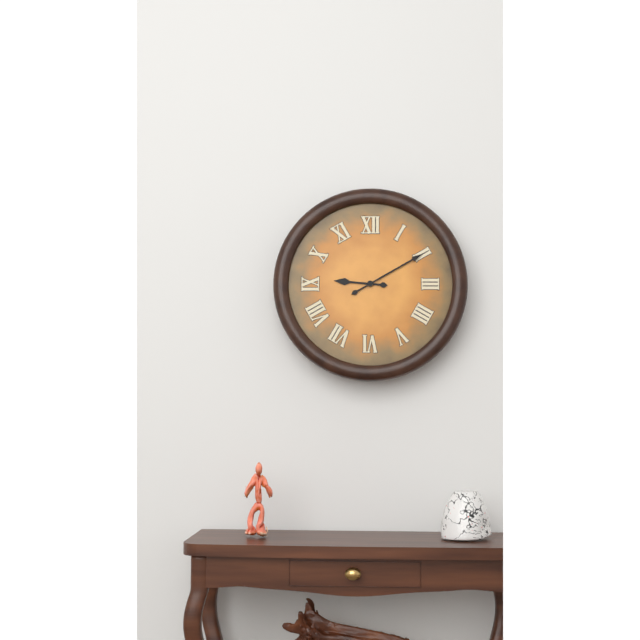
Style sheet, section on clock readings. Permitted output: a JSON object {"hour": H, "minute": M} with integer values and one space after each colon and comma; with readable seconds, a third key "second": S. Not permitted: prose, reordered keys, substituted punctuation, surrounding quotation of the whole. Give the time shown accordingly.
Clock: {"hour": 9, "minute": 10}
